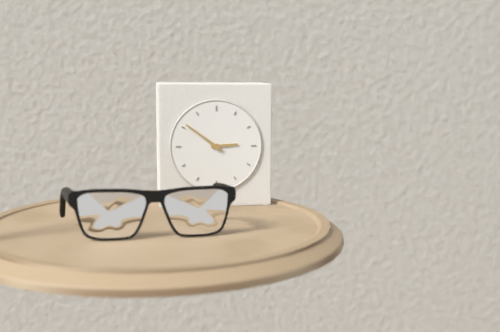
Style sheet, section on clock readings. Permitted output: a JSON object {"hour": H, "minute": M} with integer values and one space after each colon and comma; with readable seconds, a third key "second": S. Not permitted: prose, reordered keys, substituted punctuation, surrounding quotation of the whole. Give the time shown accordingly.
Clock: {"hour": 2, "minute": 51}
